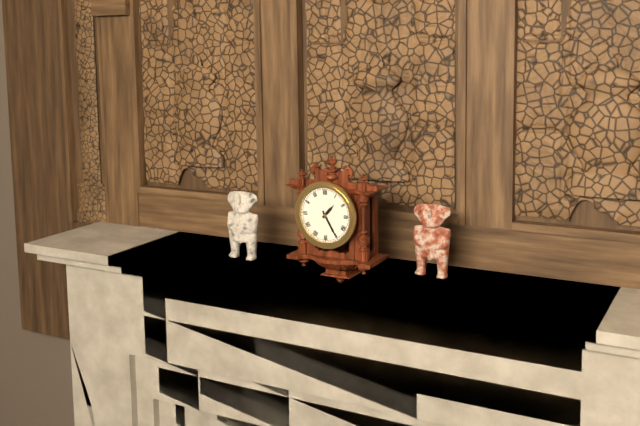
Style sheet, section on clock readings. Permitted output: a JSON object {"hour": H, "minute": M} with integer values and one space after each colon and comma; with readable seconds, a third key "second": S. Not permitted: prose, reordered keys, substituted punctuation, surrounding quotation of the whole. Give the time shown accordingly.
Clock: {"hour": 1, "minute": 25}
